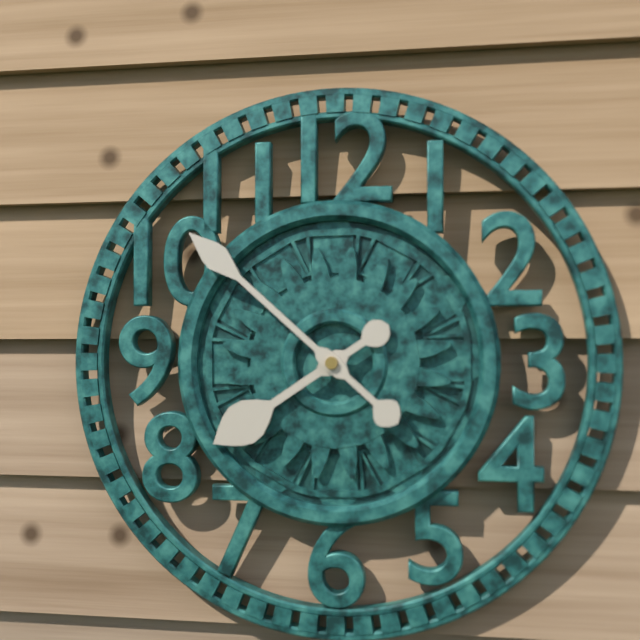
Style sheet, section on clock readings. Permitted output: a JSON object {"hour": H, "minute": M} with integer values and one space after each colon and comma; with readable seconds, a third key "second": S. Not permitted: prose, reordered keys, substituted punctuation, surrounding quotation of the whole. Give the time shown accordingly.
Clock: {"hour": 7, "minute": 52}
